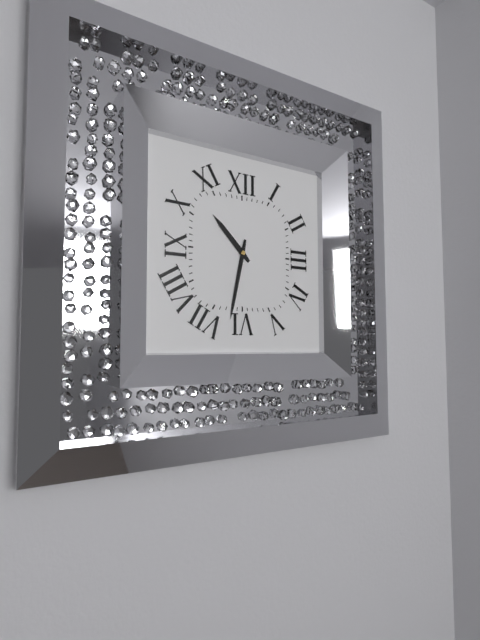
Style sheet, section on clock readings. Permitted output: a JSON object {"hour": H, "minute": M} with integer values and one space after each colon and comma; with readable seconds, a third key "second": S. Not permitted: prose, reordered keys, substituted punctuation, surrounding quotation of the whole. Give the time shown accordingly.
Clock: {"hour": 10, "minute": 32}
